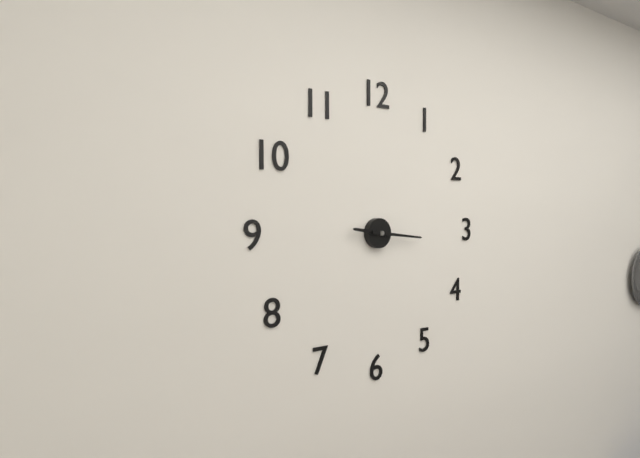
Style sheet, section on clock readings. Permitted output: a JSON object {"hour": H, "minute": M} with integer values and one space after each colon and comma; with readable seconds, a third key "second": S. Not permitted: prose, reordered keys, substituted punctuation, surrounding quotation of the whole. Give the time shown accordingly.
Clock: {"hour": 9, "minute": 16}
